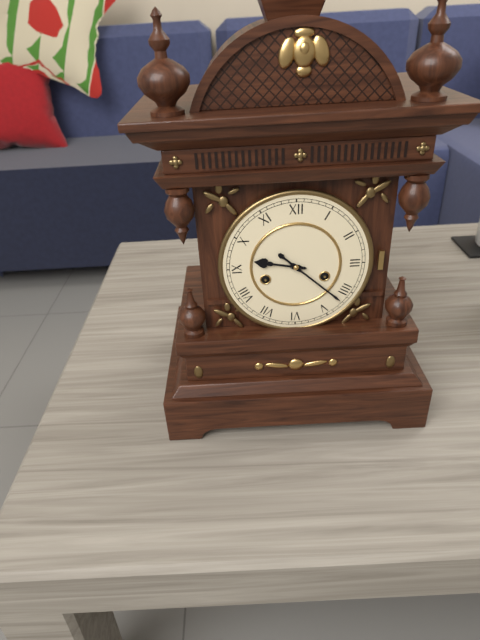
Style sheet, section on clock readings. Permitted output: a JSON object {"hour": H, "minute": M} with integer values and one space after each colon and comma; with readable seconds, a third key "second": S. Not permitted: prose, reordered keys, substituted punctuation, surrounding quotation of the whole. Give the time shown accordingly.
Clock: {"hour": 9, "minute": 22}
